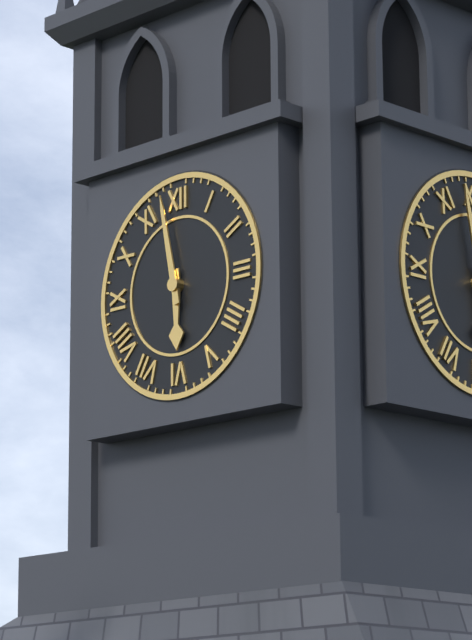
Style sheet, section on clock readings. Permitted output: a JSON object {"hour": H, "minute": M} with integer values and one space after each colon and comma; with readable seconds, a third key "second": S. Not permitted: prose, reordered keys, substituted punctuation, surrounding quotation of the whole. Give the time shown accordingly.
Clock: {"hour": 5, "minute": 58}
